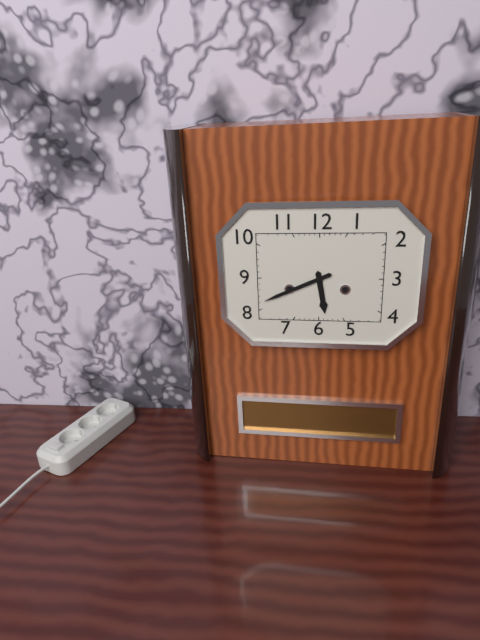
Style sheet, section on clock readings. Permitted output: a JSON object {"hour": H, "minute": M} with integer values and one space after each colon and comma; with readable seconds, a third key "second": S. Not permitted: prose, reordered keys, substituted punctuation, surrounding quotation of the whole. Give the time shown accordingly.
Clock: {"hour": 5, "minute": 41}
